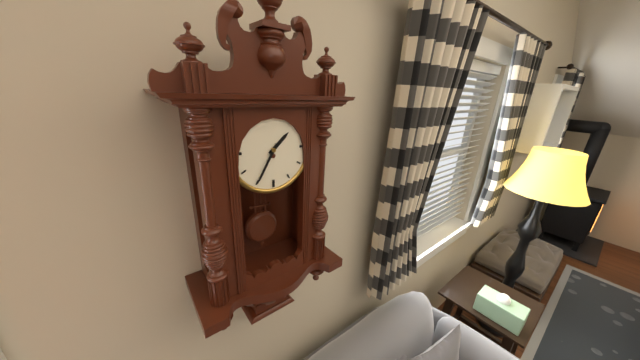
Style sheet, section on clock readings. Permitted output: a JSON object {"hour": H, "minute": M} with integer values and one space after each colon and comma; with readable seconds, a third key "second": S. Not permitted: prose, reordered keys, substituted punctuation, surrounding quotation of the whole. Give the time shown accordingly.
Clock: {"hour": 1, "minute": 35}
